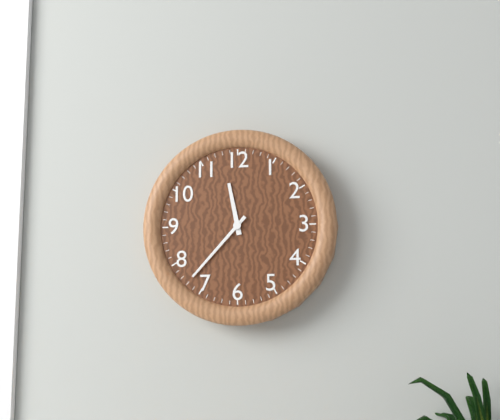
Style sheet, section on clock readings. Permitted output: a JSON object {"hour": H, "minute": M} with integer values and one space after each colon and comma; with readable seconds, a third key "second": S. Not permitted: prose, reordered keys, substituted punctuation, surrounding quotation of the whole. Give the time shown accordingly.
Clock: {"hour": 11, "minute": 37}
